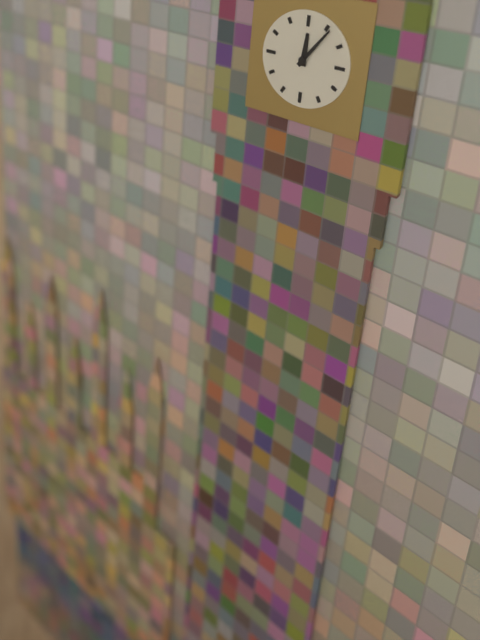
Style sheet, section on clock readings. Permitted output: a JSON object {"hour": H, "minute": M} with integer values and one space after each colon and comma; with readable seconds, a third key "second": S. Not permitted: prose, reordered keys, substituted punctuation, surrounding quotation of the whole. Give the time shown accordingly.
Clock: {"hour": 12, "minute": 6}
